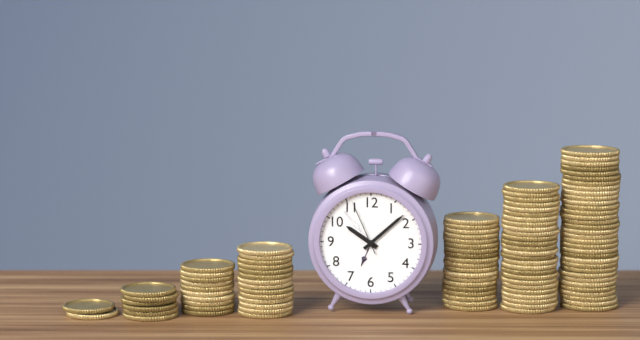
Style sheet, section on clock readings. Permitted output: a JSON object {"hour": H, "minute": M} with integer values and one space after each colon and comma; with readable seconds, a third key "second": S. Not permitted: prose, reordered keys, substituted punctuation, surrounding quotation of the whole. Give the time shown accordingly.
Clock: {"hour": 10, "minute": 8, "second": 56}
